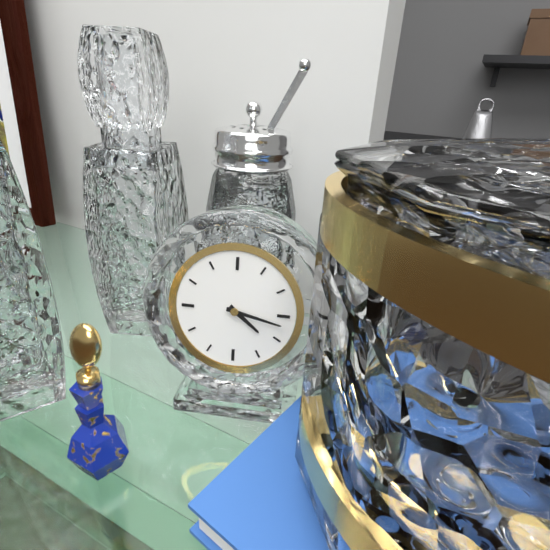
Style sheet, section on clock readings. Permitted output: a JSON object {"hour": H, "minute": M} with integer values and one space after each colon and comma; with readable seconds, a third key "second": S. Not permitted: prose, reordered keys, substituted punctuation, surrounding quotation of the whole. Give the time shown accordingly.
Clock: {"hour": 4, "minute": 17}
